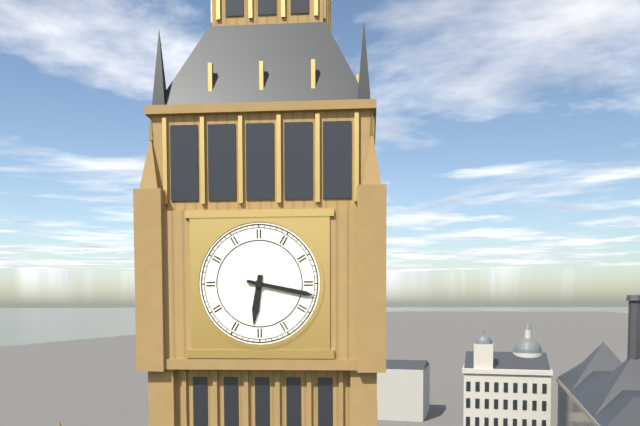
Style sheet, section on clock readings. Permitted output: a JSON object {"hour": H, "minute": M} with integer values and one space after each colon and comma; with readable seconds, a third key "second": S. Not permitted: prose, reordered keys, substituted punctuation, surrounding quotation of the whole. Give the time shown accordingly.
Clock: {"hour": 6, "minute": 17}
